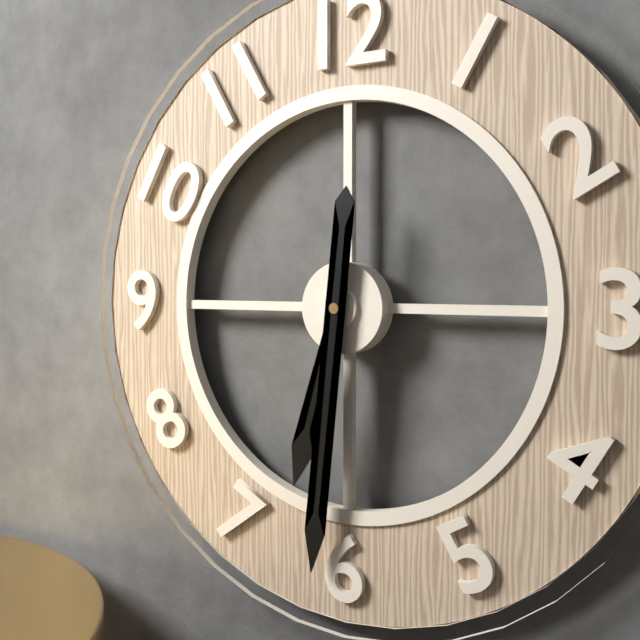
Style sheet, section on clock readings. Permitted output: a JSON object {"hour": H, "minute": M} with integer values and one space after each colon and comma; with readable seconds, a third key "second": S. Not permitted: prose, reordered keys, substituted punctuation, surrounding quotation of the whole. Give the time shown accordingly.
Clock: {"hour": 6, "minute": 31}
